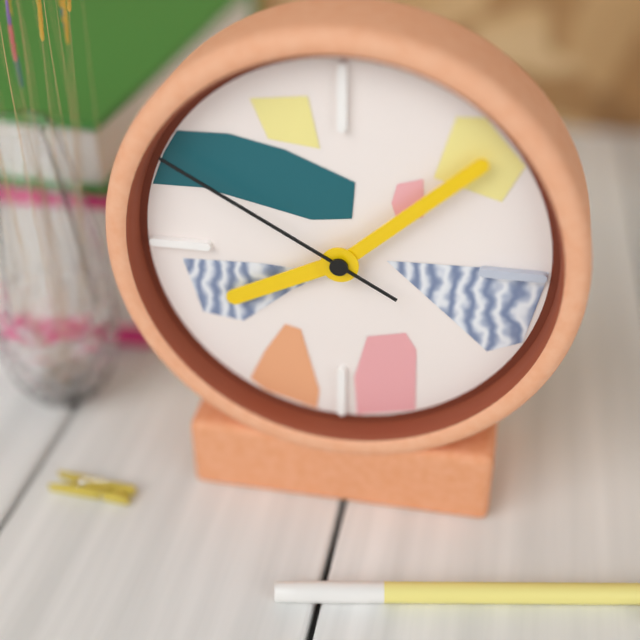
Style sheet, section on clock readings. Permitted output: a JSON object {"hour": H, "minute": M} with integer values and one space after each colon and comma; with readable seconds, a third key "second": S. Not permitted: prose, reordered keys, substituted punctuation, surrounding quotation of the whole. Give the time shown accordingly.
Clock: {"hour": 8, "minute": 8, "second": 50}
